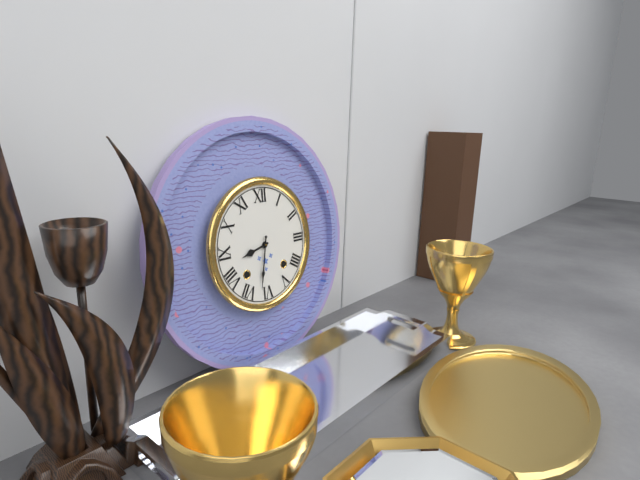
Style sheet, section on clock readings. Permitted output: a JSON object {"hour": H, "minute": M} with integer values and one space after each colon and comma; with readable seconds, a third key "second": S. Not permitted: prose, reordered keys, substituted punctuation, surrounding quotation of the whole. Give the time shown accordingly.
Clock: {"hour": 8, "minute": 32}
